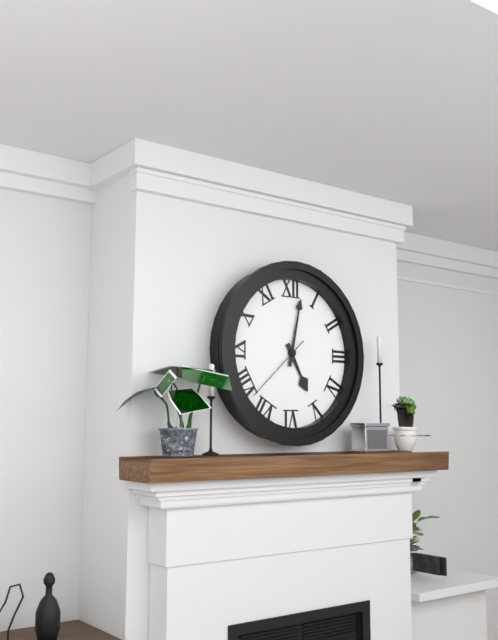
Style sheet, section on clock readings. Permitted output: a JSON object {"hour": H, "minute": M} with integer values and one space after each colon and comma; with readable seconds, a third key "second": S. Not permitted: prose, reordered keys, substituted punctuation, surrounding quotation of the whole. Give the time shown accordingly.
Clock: {"hour": 5, "minute": 2, "second": 38}
